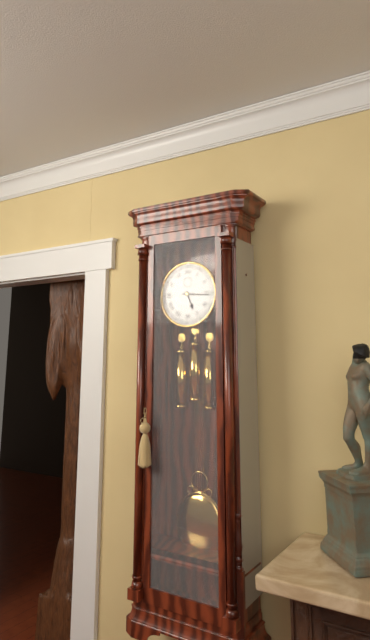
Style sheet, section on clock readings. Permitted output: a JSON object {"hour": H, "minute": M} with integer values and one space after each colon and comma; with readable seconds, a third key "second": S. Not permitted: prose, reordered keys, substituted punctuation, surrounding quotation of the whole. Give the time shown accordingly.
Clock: {"hour": 5, "minute": 16}
